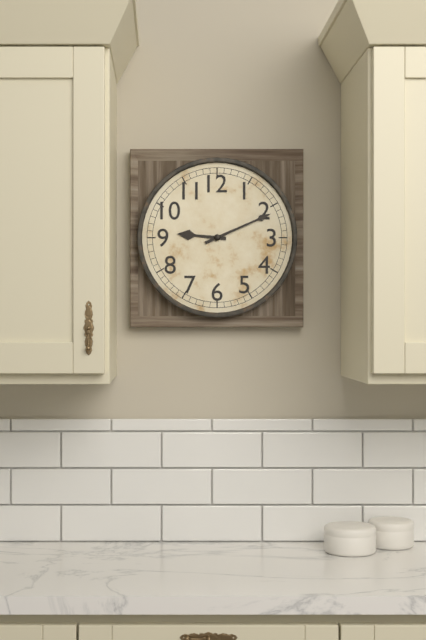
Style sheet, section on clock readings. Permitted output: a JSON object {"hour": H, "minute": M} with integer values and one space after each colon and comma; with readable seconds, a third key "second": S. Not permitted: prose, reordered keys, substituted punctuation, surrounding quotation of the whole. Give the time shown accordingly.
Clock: {"hour": 9, "minute": 11}
